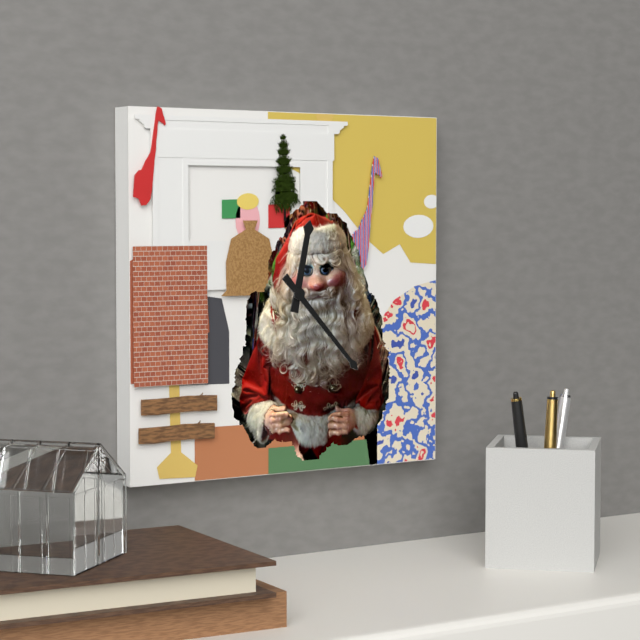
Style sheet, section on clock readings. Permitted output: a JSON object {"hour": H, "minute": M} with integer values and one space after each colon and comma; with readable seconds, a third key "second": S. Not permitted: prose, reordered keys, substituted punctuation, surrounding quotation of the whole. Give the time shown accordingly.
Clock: {"hour": 12, "minute": 23}
